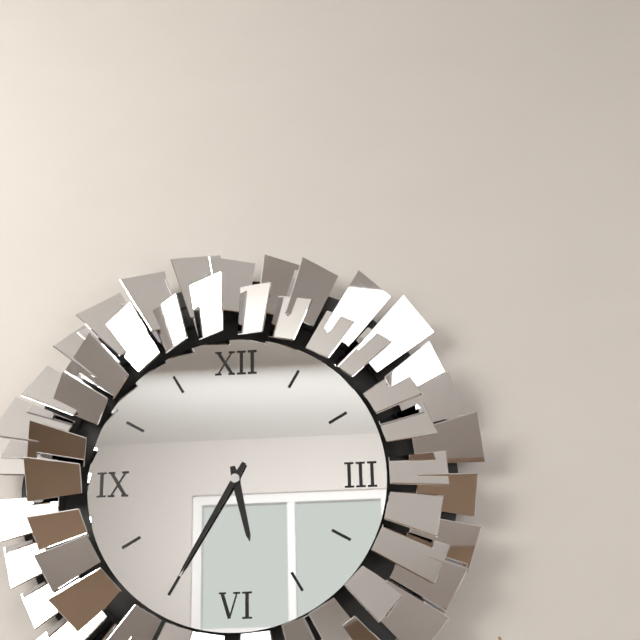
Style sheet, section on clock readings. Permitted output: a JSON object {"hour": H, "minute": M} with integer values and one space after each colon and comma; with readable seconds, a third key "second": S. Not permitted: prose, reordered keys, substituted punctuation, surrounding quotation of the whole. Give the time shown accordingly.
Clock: {"hour": 5, "minute": 35}
